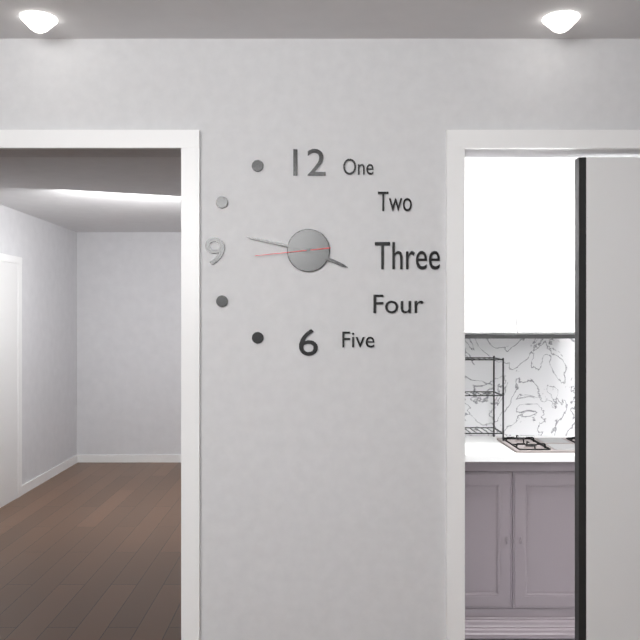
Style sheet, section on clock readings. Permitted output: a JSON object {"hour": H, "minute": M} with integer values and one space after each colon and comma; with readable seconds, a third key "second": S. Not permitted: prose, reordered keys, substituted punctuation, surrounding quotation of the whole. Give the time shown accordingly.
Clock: {"hour": 3, "minute": 47, "second": 44}
